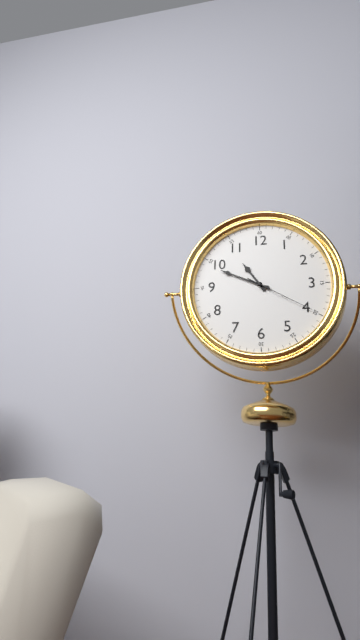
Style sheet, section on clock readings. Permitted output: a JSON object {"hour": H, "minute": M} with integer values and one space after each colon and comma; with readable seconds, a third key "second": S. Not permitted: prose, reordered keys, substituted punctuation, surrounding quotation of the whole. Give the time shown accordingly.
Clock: {"hour": 10, "minute": 49, "second": 20}
